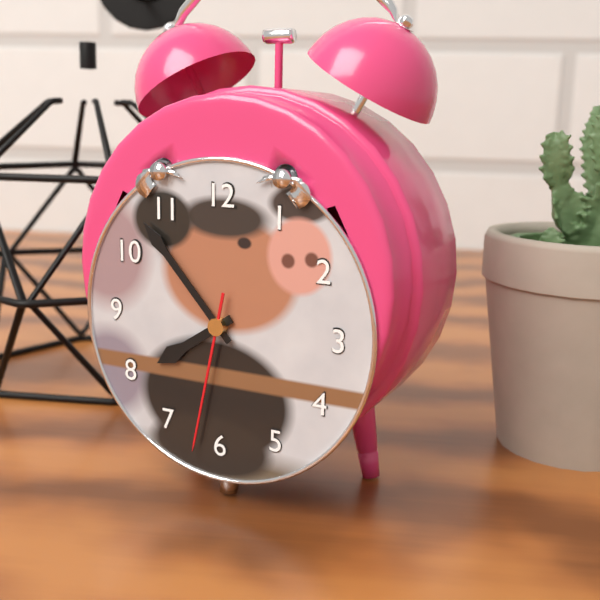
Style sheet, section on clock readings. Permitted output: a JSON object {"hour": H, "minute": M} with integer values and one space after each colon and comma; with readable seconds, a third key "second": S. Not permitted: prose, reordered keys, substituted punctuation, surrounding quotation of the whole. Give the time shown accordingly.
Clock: {"hour": 7, "minute": 53, "second": 32}
